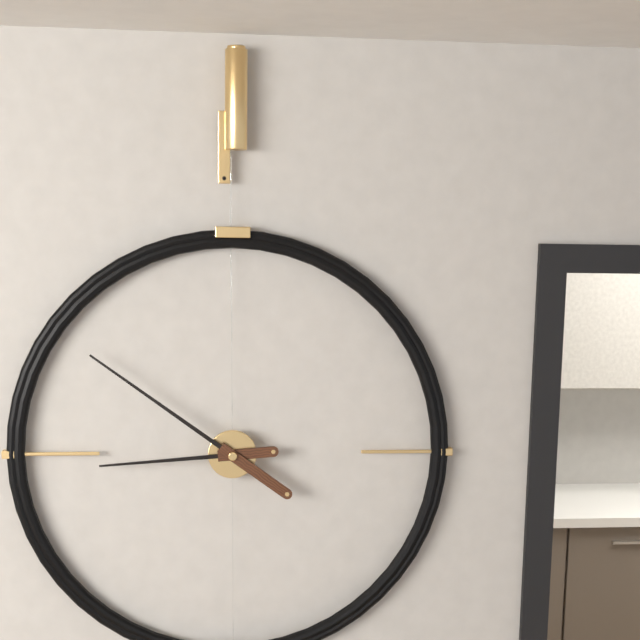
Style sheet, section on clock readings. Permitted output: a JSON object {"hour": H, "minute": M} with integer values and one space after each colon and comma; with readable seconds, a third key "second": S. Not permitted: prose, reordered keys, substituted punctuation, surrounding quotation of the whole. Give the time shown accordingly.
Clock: {"hour": 8, "minute": 51}
